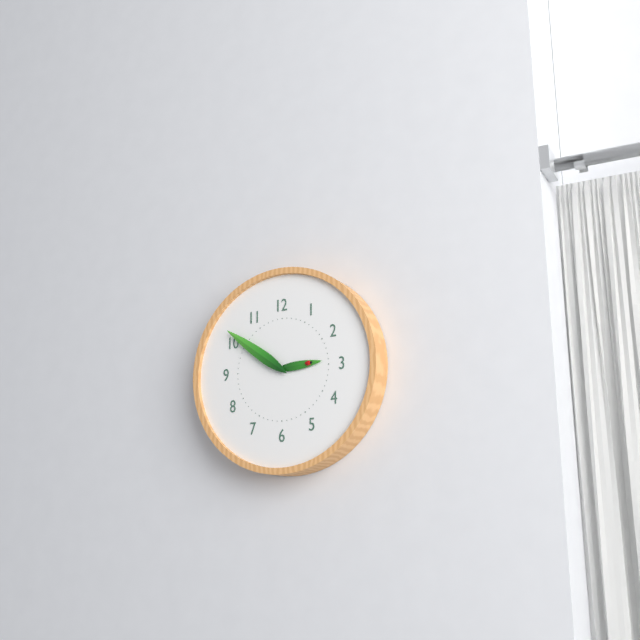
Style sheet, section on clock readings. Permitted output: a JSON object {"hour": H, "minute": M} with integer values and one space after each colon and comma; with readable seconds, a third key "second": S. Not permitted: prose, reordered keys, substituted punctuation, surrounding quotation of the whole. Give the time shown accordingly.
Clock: {"hour": 2, "minute": 51}
